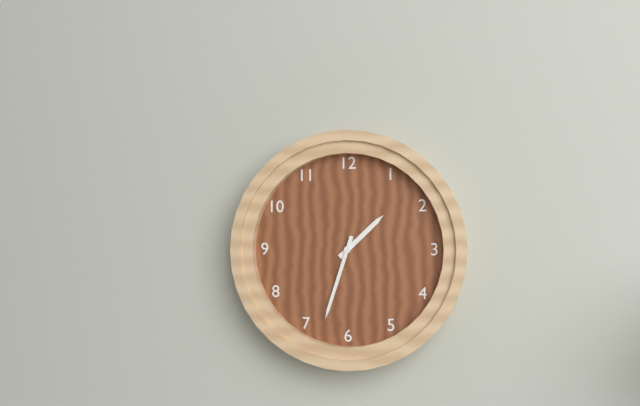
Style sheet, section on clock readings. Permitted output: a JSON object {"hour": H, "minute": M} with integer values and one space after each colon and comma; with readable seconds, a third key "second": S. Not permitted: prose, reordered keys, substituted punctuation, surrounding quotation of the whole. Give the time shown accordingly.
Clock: {"hour": 1, "minute": 33}
